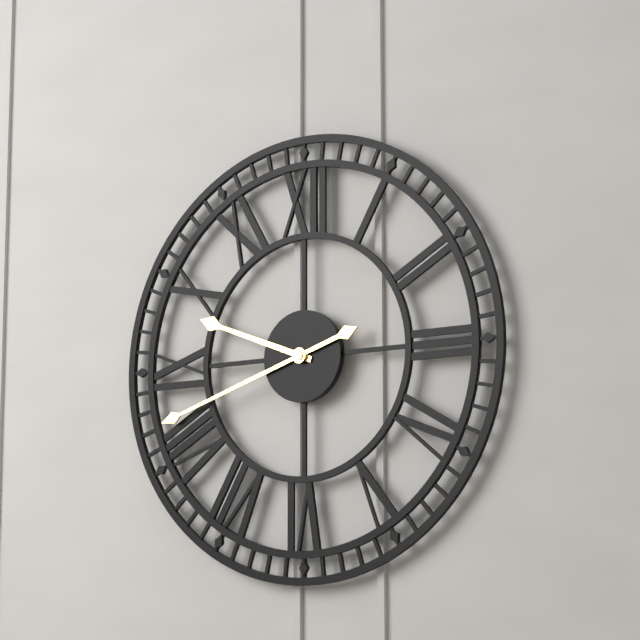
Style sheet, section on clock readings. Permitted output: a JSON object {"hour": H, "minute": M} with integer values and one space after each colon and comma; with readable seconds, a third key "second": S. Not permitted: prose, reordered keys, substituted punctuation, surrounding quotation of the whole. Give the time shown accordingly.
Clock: {"hour": 9, "minute": 42}
